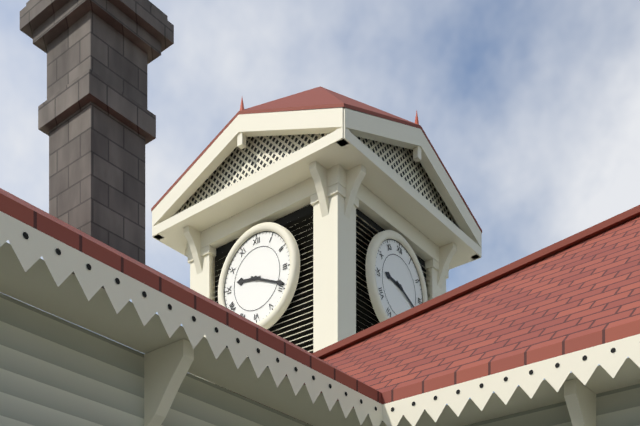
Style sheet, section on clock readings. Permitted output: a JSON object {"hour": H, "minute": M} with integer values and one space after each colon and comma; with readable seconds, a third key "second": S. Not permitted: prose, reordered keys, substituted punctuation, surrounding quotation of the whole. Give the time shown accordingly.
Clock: {"hour": 9, "minute": 19}
